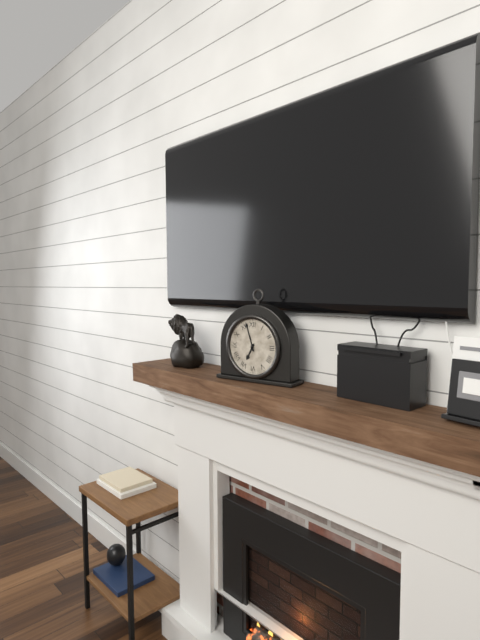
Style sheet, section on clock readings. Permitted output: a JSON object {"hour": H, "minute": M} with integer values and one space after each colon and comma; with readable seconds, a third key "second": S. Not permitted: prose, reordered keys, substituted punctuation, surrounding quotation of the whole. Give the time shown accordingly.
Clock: {"hour": 6, "minute": 57}
